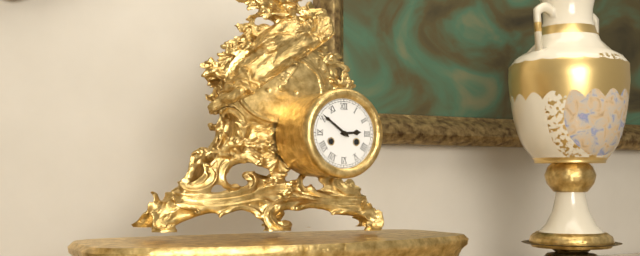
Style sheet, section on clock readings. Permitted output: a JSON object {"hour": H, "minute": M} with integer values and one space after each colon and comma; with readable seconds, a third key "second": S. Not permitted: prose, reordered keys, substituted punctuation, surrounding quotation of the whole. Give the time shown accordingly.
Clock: {"hour": 2, "minute": 51}
